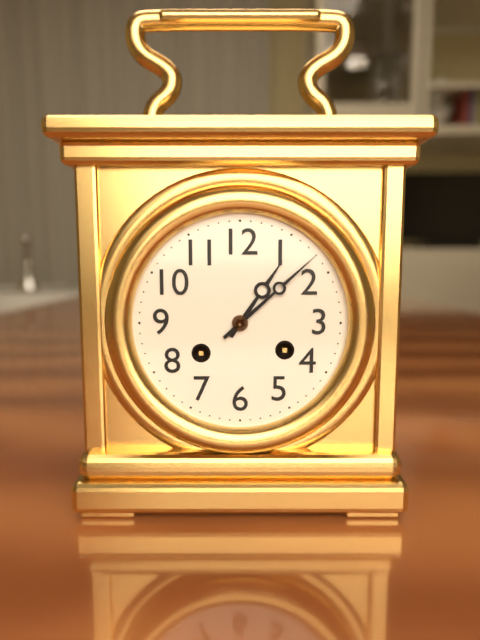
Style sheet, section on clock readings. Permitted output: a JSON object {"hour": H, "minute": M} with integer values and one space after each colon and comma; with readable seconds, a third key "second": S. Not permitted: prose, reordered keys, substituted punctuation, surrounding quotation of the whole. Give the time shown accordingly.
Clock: {"hour": 1, "minute": 8}
